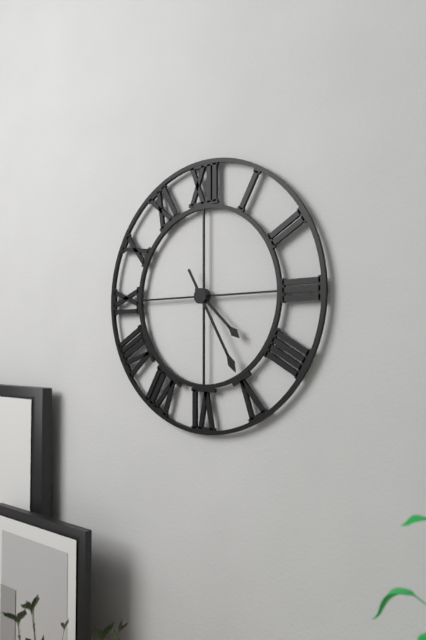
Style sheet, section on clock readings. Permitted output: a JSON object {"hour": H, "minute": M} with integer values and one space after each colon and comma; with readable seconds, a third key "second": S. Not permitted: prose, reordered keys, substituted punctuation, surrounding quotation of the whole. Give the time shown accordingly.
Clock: {"hour": 4, "minute": 25}
